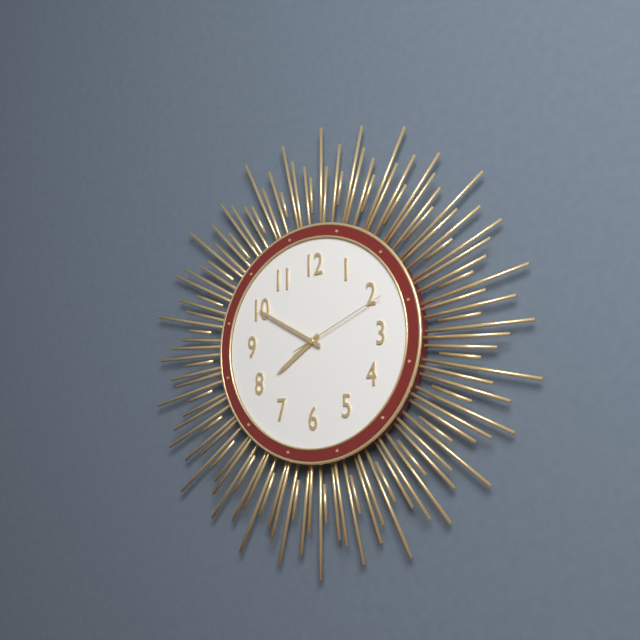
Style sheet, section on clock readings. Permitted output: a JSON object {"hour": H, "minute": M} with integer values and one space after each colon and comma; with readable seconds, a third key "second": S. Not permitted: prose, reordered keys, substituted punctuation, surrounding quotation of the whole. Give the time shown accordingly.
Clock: {"hour": 7, "minute": 50, "second": 11}
